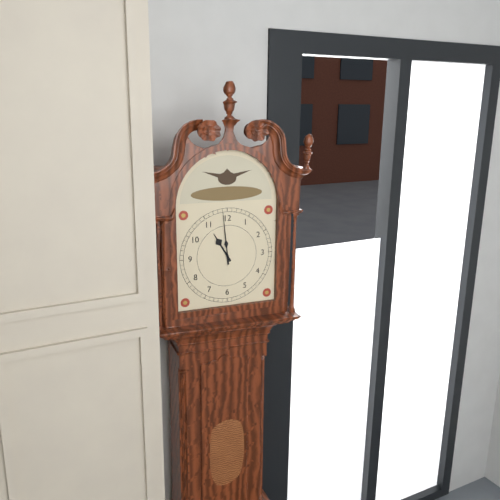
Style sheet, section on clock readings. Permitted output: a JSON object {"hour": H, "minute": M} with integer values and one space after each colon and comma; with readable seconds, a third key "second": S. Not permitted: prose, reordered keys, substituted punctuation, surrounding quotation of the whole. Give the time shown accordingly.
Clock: {"hour": 10, "minute": 59}
